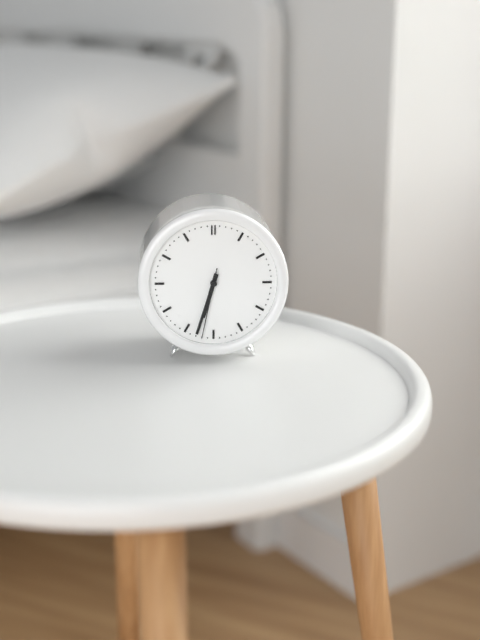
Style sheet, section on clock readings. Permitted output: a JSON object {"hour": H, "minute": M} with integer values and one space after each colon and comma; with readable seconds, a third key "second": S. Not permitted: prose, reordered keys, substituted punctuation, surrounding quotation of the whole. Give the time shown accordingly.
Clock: {"hour": 6, "minute": 33, "second": 32}
